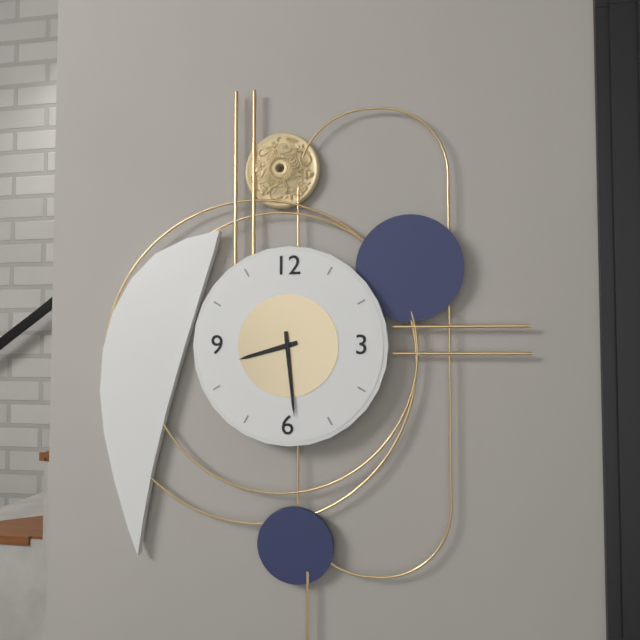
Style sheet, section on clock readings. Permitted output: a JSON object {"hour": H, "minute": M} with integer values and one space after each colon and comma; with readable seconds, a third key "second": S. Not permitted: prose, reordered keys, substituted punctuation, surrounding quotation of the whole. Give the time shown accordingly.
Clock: {"hour": 8, "minute": 29}
